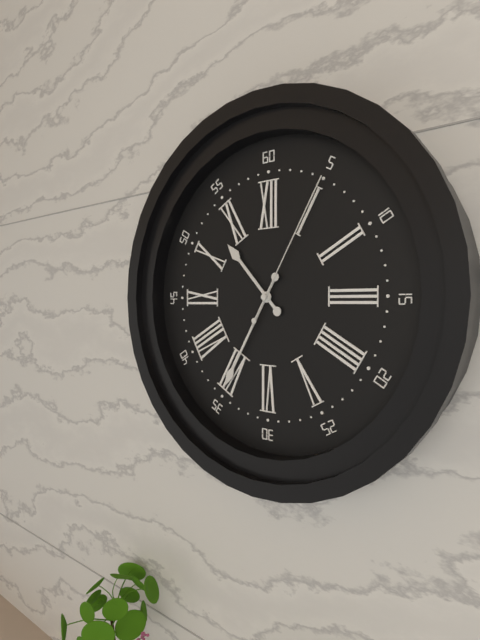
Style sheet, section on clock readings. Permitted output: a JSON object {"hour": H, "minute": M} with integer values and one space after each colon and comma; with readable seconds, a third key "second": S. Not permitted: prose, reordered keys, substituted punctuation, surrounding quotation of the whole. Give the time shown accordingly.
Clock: {"hour": 10, "minute": 35, "second": 5}
